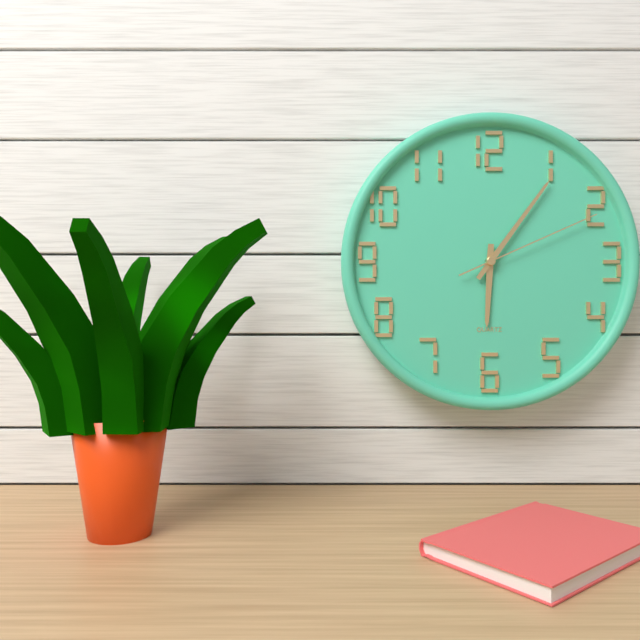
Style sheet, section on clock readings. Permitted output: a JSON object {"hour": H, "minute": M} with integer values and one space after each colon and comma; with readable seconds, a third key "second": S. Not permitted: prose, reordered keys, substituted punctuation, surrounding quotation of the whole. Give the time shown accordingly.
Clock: {"hour": 6, "minute": 6, "second": 11}
